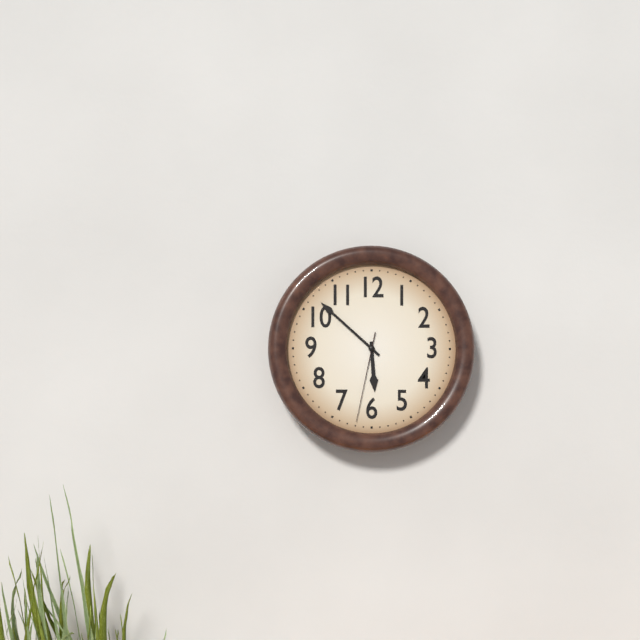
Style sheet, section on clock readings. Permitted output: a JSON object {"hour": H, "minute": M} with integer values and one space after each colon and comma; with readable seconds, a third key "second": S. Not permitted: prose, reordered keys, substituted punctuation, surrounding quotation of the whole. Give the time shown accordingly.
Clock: {"hour": 5, "minute": 52, "second": 32}
